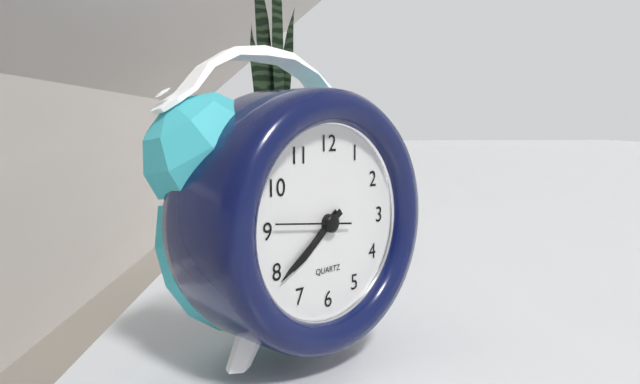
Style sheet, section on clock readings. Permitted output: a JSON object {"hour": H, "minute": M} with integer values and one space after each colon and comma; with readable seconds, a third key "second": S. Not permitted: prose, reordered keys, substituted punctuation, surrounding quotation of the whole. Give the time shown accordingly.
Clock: {"hour": 7, "minute": 39, "second": 46}
